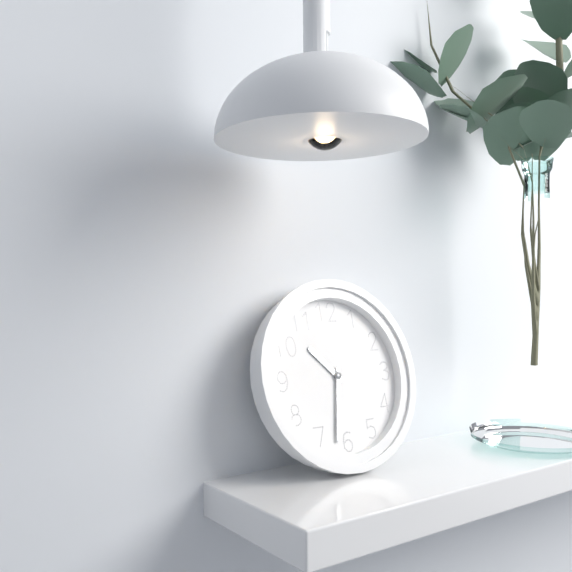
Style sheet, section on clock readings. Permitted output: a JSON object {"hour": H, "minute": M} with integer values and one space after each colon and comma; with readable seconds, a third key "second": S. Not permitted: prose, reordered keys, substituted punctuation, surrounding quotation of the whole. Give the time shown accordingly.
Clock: {"hour": 10, "minute": 32}
